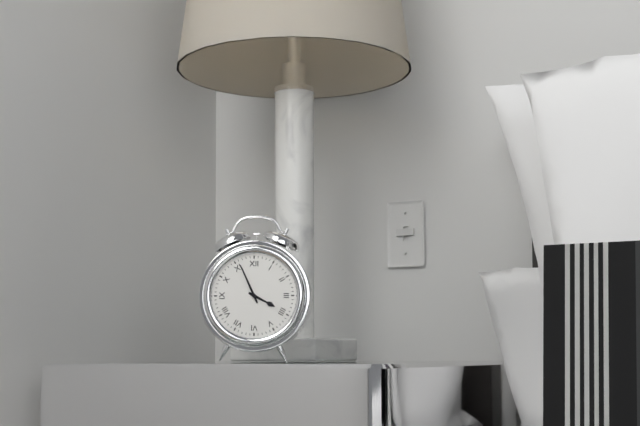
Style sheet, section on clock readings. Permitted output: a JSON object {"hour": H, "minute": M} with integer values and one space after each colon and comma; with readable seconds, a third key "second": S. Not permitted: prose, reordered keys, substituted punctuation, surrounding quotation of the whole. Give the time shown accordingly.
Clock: {"hour": 3, "minute": 56}
